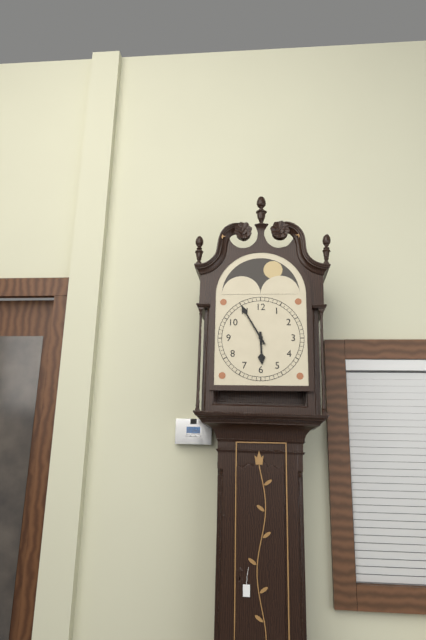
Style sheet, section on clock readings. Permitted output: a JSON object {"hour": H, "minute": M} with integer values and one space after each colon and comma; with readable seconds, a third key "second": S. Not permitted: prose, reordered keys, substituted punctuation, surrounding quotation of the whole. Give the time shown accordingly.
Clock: {"hour": 5, "minute": 55}
